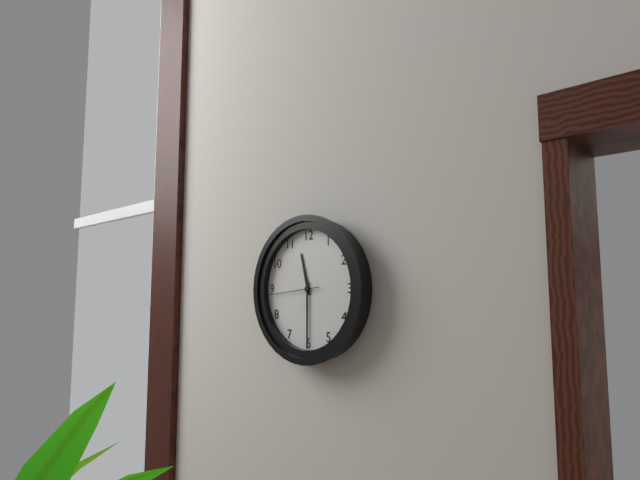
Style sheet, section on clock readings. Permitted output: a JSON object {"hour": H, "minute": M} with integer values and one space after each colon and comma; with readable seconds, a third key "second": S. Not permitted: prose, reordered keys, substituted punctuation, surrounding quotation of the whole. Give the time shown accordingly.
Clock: {"hour": 11, "minute": 30, "second": 44}
